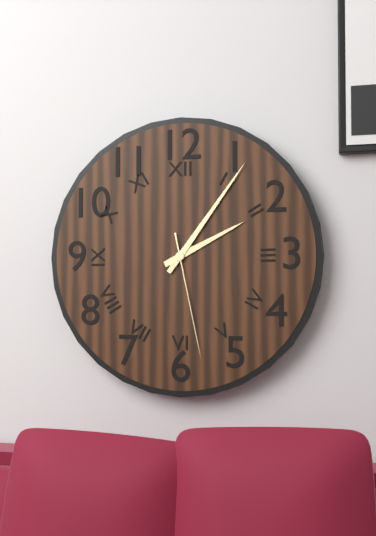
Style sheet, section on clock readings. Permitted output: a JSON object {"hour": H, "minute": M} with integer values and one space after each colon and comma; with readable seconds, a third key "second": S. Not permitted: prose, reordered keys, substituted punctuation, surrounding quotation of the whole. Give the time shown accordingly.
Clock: {"hour": 2, "minute": 6, "second": 28}
